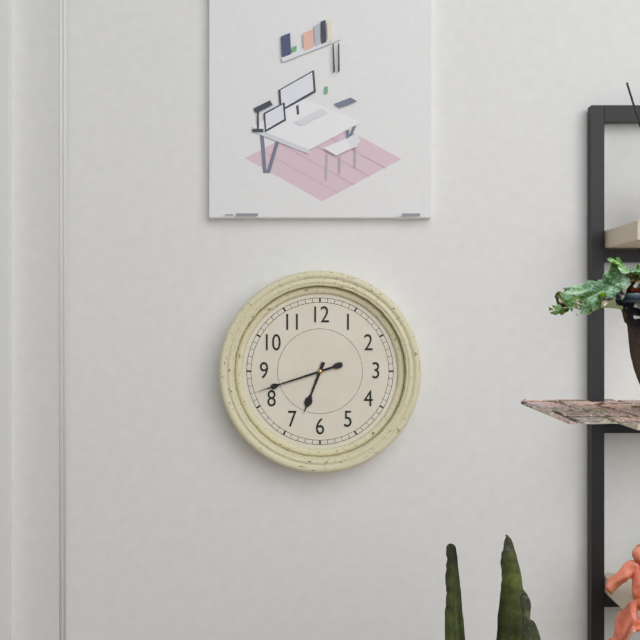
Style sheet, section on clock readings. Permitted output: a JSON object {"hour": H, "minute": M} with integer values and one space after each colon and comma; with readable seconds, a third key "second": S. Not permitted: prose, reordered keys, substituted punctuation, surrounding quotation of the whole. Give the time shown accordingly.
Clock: {"hour": 6, "minute": 42}
